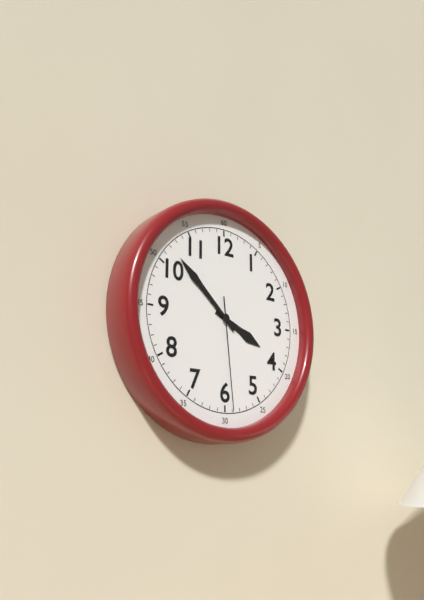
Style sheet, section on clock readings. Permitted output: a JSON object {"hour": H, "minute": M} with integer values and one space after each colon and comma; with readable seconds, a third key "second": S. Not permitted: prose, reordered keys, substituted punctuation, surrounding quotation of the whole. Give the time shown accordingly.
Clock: {"hour": 3, "minute": 52, "second": 29}
